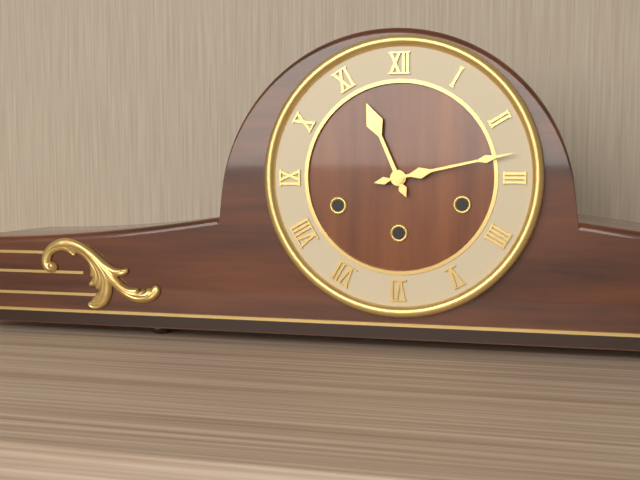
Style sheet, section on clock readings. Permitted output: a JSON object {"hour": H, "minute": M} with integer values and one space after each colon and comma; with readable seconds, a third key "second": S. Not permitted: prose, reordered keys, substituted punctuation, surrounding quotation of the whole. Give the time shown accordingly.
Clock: {"hour": 11, "minute": 13}
